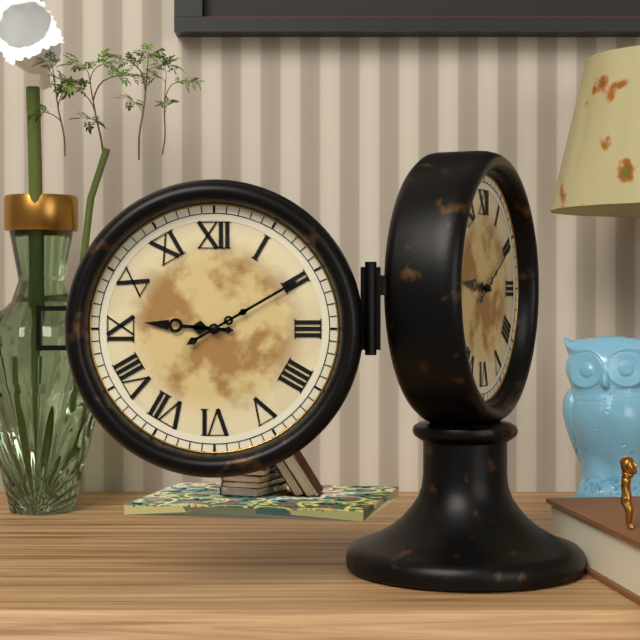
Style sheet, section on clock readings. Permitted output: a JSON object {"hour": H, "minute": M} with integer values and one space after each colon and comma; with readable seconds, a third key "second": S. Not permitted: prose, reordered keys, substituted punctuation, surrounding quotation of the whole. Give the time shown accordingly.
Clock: {"hour": 9, "minute": 10}
